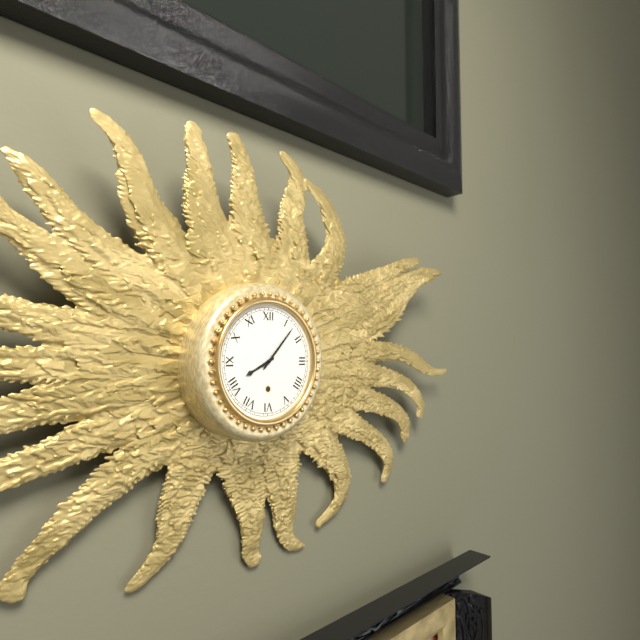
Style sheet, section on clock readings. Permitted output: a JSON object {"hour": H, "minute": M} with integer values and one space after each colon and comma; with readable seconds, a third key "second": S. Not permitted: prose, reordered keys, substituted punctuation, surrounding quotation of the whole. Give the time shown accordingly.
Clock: {"hour": 8, "minute": 7}
